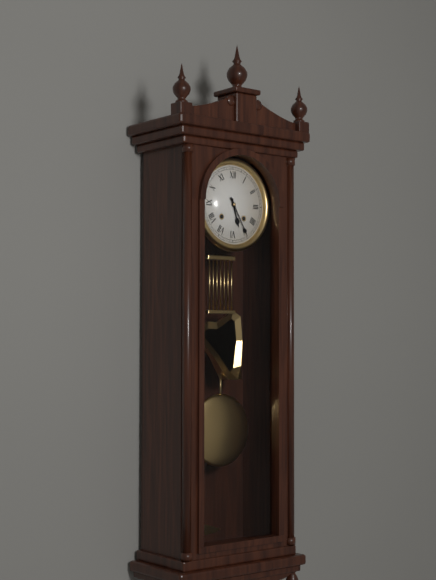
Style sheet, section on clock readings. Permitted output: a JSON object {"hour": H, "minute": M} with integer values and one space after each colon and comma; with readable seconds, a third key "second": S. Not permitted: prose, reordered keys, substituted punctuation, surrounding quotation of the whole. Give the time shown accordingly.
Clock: {"hour": 5, "minute": 25}
